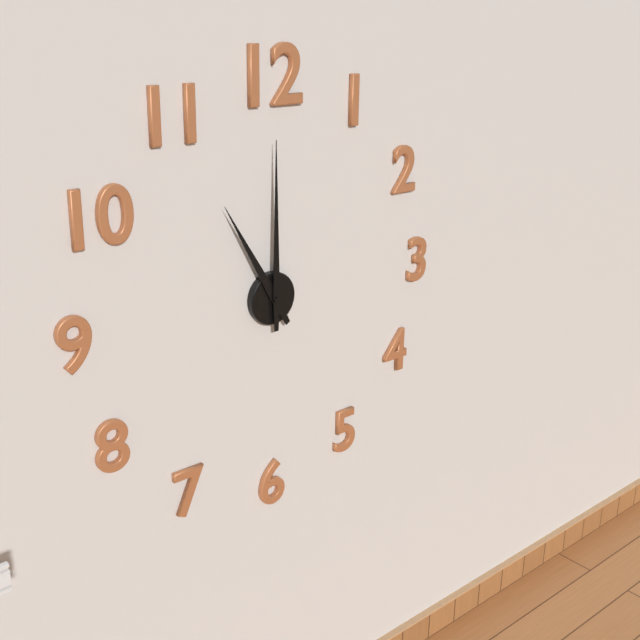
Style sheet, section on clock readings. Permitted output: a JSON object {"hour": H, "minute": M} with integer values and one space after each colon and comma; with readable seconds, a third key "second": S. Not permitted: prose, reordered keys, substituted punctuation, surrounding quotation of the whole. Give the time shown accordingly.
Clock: {"hour": 11, "minute": 0}
